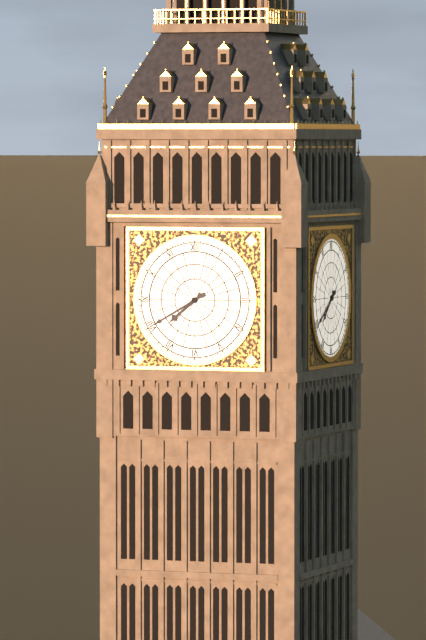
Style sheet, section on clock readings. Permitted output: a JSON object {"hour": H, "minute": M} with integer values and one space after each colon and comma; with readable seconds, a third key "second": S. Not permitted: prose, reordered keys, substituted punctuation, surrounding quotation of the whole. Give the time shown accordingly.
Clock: {"hour": 7, "minute": 40}
